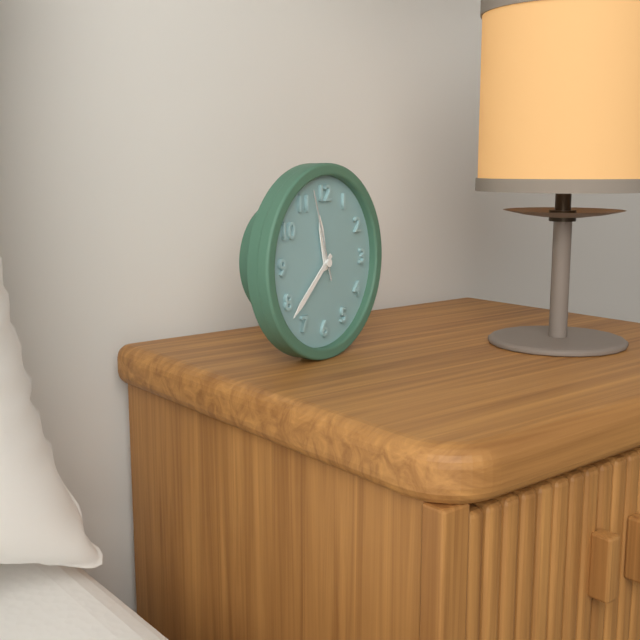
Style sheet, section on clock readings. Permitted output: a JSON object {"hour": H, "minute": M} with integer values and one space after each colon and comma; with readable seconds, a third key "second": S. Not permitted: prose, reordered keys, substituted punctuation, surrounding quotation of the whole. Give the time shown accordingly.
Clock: {"hour": 11, "minute": 38, "second": 57}
